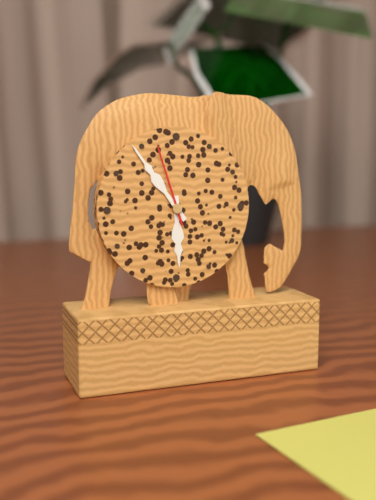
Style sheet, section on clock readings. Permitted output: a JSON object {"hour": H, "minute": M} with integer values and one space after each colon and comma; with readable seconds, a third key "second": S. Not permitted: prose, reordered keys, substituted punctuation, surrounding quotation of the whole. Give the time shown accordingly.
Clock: {"hour": 5, "minute": 54, "second": 57}
